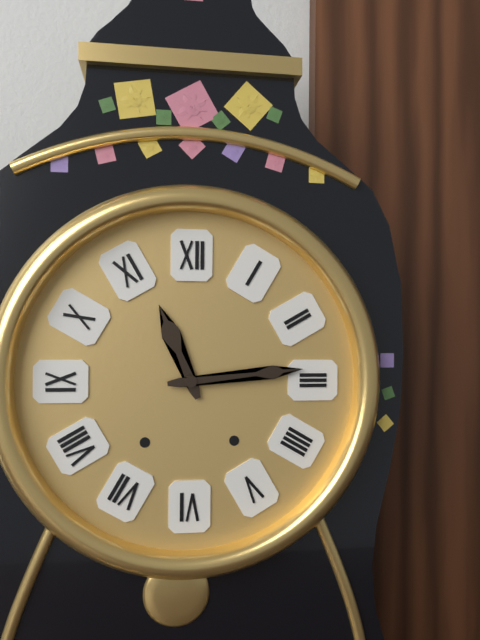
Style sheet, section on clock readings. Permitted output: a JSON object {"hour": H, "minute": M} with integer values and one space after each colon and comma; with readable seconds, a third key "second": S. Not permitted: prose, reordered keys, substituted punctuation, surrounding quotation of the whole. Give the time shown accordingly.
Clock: {"hour": 11, "minute": 14}
